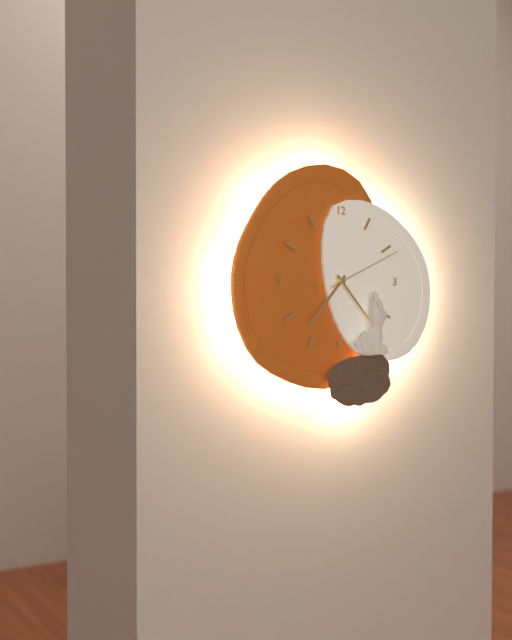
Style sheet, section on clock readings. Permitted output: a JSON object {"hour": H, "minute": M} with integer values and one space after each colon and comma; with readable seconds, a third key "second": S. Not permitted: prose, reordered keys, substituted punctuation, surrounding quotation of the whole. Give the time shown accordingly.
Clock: {"hour": 7, "minute": 23, "second": 11}
